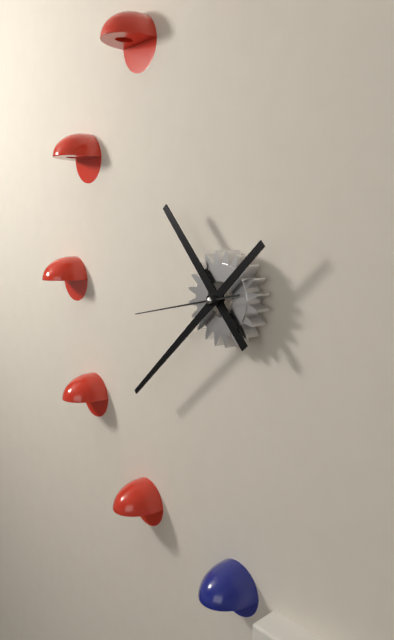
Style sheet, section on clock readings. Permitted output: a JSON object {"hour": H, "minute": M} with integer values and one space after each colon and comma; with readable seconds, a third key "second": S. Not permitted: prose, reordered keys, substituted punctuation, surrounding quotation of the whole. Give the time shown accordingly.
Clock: {"hour": 10, "minute": 38, "second": 43}
